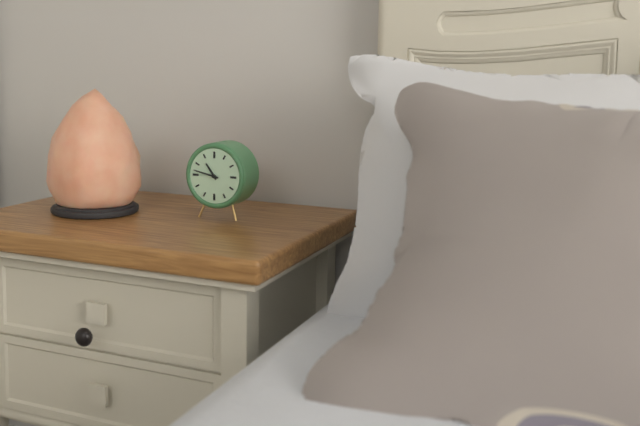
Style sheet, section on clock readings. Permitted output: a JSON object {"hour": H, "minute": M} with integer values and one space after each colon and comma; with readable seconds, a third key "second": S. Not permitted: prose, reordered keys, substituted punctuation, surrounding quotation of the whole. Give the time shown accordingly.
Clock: {"hour": 10, "minute": 47}
